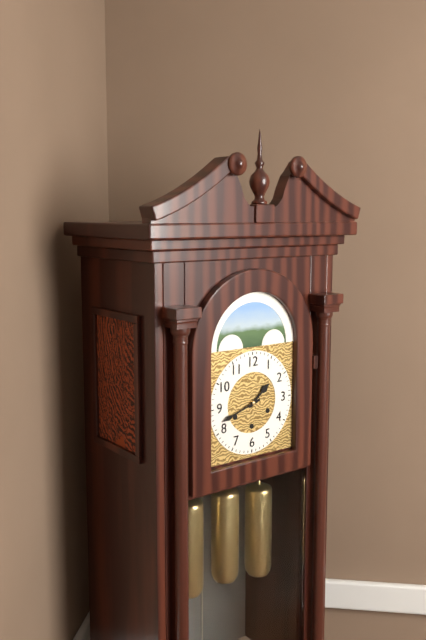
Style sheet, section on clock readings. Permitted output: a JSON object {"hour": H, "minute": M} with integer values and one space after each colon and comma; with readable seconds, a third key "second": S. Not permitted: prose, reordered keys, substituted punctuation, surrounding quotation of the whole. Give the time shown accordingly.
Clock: {"hour": 1, "minute": 42}
